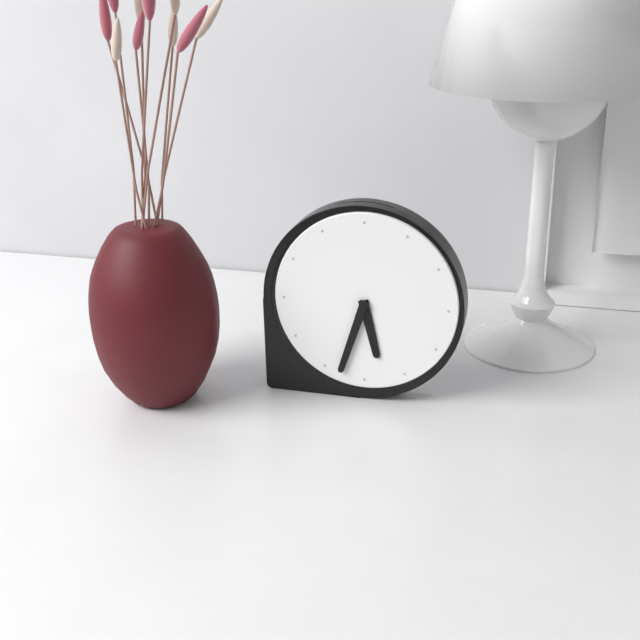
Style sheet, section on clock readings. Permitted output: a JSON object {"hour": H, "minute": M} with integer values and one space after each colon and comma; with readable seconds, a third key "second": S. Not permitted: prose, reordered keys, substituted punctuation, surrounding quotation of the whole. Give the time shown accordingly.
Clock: {"hour": 5, "minute": 33}
